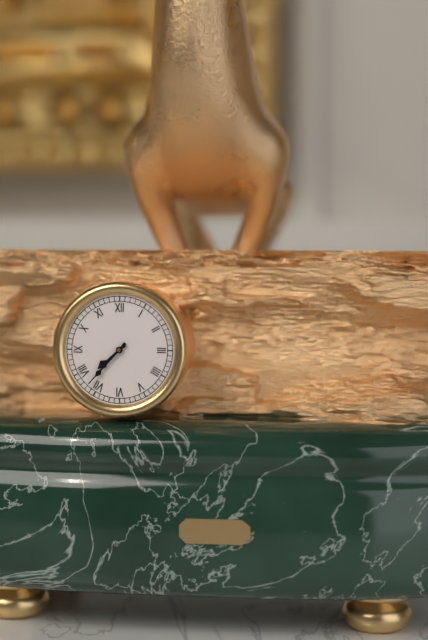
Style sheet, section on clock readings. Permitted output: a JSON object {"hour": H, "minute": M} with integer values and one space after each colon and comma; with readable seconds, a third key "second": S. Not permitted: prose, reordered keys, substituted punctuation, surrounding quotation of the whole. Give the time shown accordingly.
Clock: {"hour": 7, "minute": 37}
